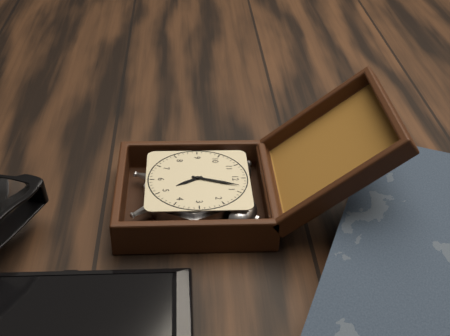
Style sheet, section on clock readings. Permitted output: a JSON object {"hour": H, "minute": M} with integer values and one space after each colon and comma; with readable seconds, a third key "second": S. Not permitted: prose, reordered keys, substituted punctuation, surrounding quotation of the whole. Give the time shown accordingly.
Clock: {"hour": 5, "minute": 3}
